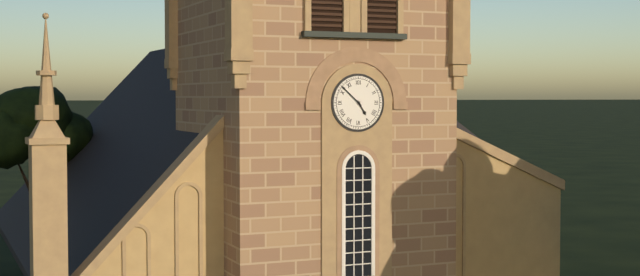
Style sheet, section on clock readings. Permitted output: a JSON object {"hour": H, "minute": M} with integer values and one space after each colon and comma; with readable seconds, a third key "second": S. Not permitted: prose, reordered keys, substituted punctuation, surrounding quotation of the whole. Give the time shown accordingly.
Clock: {"hour": 4, "minute": 52}
